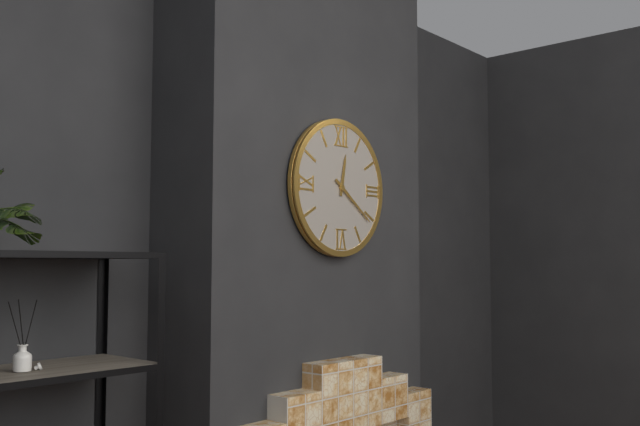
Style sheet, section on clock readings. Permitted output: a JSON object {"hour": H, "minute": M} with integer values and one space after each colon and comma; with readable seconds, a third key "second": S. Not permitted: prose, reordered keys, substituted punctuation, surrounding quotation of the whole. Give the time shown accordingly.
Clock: {"hour": 12, "minute": 21}
